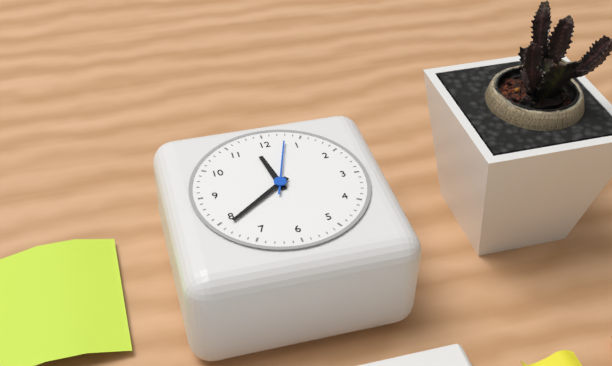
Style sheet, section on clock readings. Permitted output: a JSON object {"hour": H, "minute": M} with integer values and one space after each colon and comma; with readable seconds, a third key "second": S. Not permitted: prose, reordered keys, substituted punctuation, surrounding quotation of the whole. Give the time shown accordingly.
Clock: {"hour": 11, "minute": 39, "second": 3}
